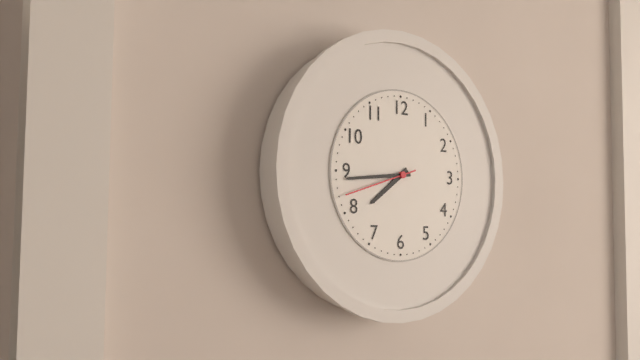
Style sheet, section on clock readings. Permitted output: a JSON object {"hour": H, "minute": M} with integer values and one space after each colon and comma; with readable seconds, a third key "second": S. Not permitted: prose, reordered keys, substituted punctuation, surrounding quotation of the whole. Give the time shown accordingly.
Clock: {"hour": 7, "minute": 44, "second": 42}
